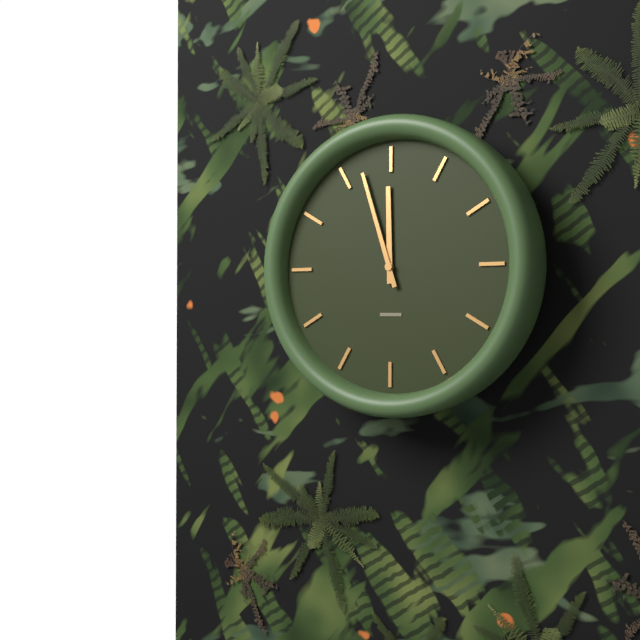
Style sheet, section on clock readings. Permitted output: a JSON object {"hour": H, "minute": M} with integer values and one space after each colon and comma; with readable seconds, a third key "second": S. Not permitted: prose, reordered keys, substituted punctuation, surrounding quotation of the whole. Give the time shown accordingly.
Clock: {"hour": 11, "minute": 57}
